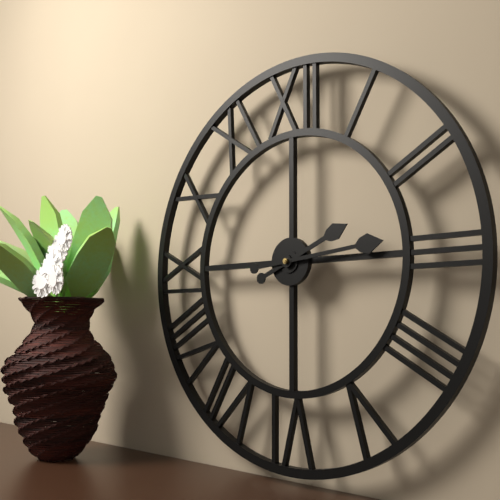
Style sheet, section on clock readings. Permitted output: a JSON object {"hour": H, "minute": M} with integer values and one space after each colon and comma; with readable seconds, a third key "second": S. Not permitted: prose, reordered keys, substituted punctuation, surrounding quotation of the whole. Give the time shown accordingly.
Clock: {"hour": 2, "minute": 14}
